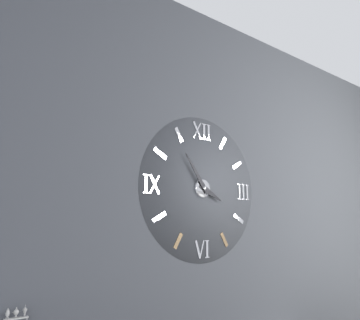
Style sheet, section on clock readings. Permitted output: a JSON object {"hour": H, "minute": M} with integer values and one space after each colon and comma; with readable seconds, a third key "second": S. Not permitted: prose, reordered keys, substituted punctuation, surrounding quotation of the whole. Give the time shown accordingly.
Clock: {"hour": 3, "minute": 54}
